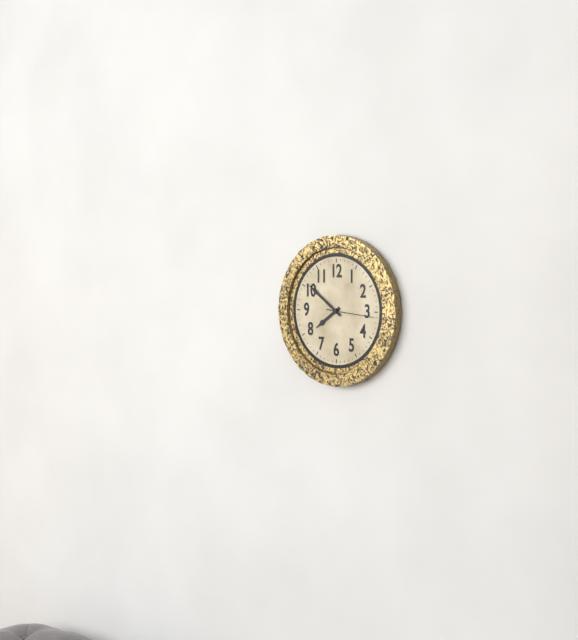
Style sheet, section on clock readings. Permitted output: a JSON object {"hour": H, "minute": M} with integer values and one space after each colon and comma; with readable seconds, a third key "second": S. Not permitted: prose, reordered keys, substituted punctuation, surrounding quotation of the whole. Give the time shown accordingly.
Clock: {"hour": 7, "minute": 51}
